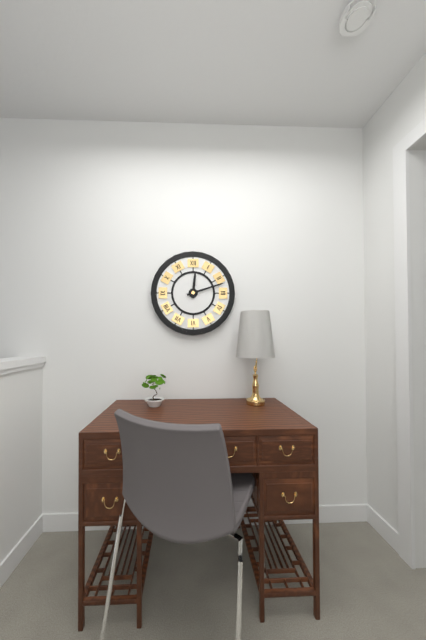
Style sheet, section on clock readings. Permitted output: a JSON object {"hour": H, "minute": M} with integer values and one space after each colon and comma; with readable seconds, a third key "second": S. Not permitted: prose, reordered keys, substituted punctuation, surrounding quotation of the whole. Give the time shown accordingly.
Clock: {"hour": 12, "minute": 12}
